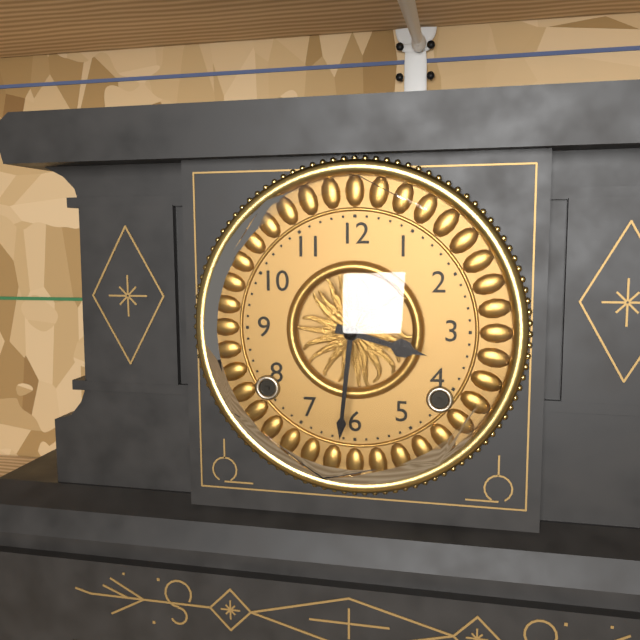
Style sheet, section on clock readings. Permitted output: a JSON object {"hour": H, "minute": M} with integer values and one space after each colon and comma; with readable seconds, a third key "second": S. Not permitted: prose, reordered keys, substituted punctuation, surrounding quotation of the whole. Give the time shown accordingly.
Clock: {"hour": 3, "minute": 31}
